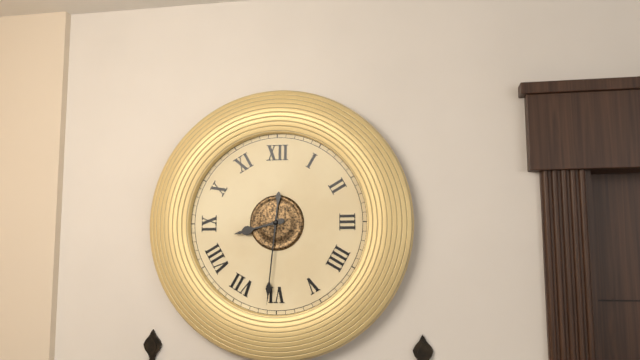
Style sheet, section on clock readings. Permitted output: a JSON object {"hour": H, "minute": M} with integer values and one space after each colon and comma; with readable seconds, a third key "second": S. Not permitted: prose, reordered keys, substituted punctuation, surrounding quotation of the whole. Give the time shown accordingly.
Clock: {"hour": 8, "minute": 31}
